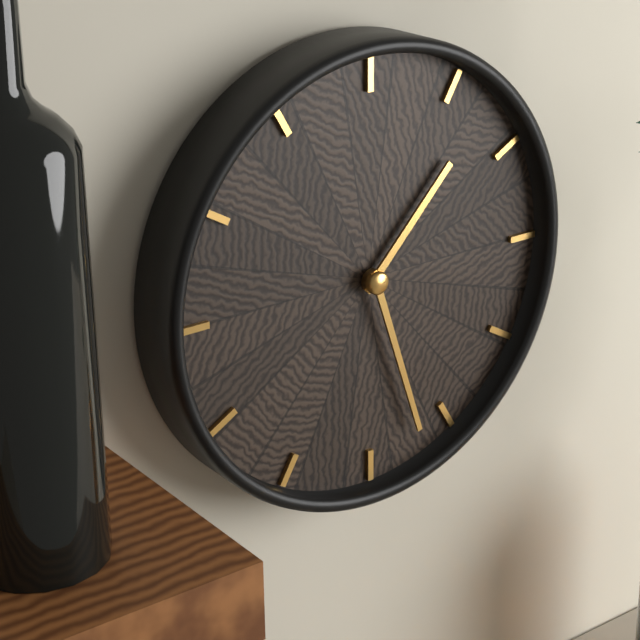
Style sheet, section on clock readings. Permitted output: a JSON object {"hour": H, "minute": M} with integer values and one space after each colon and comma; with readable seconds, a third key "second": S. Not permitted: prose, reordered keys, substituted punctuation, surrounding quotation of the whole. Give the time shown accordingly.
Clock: {"hour": 1, "minute": 27}
